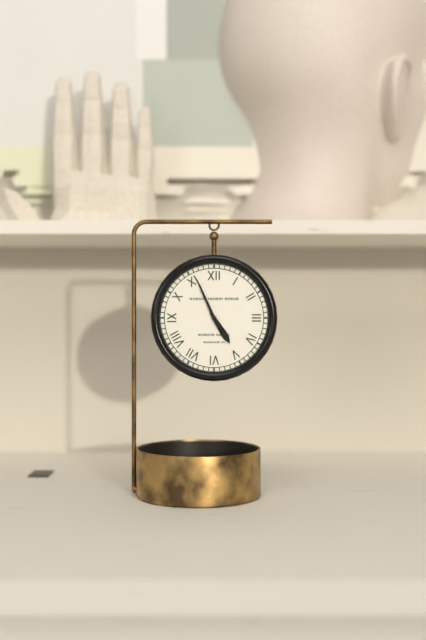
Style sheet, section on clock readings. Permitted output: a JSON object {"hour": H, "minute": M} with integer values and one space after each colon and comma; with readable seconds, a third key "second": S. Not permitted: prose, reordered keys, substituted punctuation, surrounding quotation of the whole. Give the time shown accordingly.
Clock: {"hour": 4, "minute": 56}
